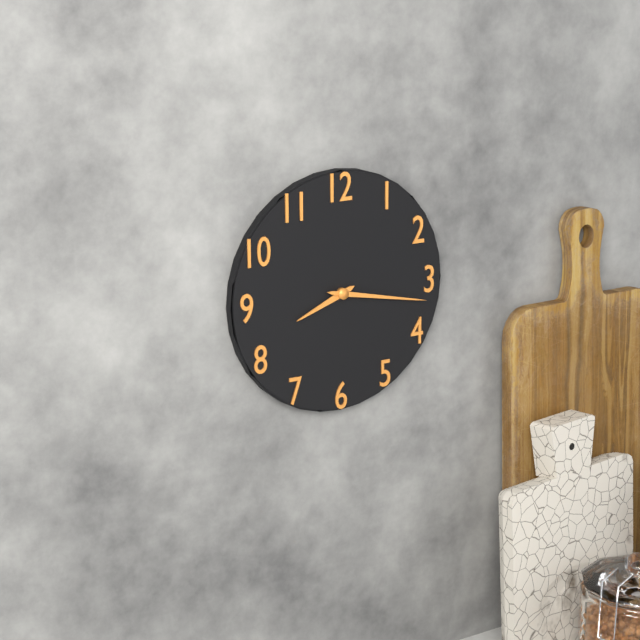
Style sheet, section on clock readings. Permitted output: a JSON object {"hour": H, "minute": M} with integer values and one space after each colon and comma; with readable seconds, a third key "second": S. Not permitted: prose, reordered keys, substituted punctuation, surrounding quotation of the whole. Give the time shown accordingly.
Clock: {"hour": 8, "minute": 17}
